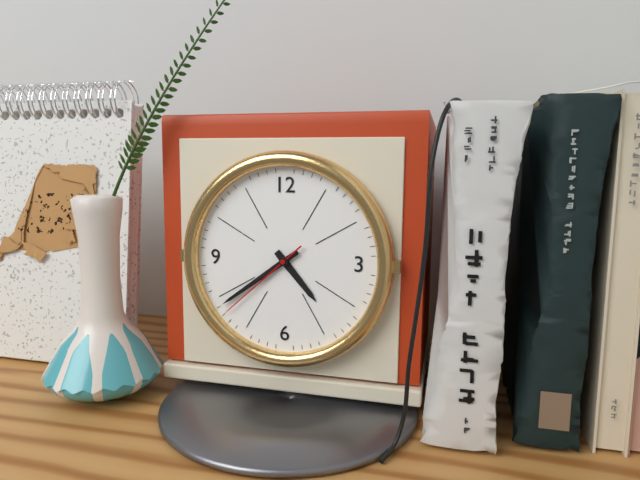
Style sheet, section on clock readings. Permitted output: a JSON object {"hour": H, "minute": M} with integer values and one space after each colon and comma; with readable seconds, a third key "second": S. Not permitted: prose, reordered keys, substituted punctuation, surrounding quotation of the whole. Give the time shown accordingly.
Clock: {"hour": 4, "minute": 39, "second": 38}
